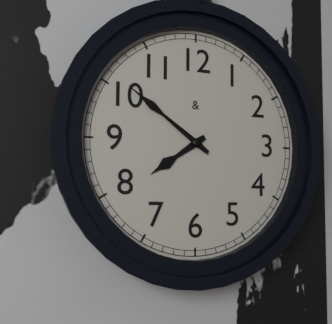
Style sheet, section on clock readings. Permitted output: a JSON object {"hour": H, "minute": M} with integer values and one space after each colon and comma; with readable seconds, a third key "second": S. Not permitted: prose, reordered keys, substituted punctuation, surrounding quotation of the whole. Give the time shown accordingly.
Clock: {"hour": 7, "minute": 51}
